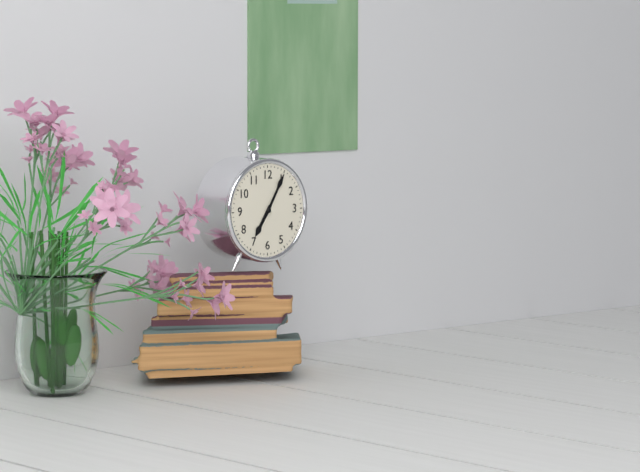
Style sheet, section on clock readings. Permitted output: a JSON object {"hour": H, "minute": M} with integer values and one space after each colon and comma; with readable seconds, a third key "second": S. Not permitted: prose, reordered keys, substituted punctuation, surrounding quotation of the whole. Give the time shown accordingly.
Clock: {"hour": 7, "minute": 5}
